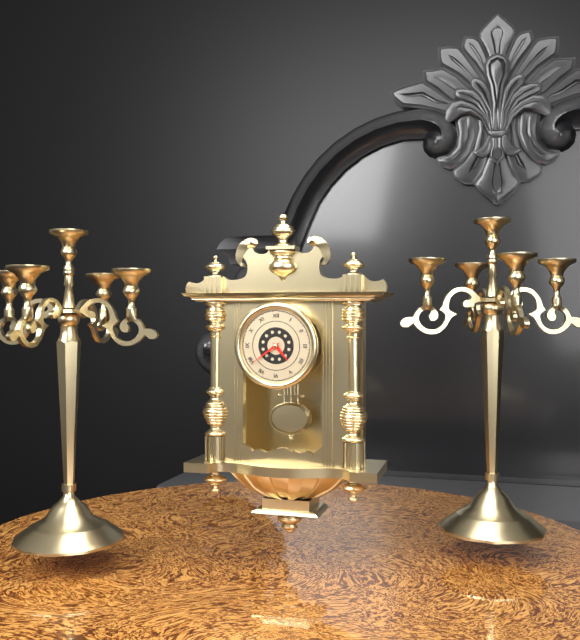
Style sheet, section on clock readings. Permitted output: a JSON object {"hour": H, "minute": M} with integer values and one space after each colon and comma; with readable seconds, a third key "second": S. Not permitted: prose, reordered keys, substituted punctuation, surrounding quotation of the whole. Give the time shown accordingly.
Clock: {"hour": 4, "minute": 39}
